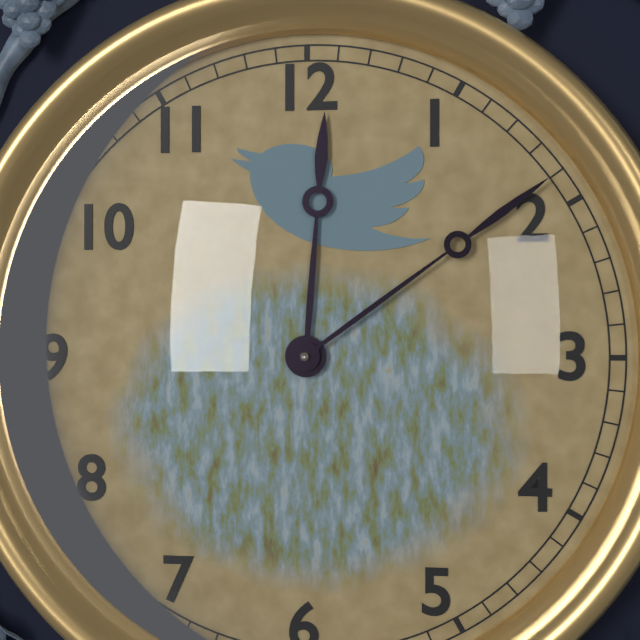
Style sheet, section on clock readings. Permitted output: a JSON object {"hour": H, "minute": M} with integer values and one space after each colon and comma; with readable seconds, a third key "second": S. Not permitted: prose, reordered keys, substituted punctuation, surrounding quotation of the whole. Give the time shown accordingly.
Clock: {"hour": 12, "minute": 9}
